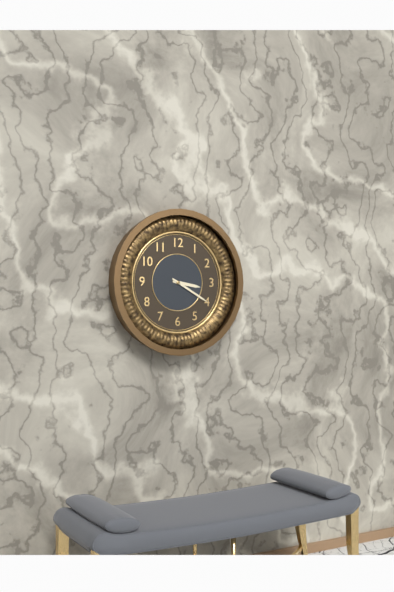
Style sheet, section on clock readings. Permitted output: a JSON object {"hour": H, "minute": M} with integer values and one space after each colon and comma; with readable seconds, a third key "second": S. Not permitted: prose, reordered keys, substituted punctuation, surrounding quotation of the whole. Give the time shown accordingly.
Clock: {"hour": 3, "minute": 20}
